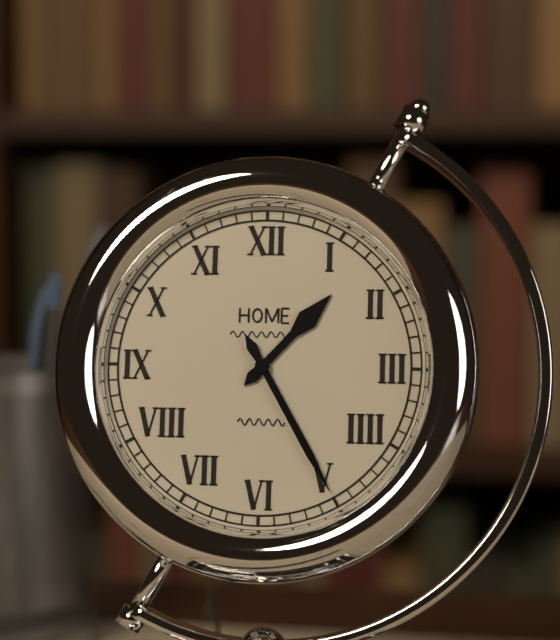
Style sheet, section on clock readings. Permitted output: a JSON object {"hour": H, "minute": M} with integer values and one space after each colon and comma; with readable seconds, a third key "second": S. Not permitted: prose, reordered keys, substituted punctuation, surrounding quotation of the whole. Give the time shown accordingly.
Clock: {"hour": 1, "minute": 25}
